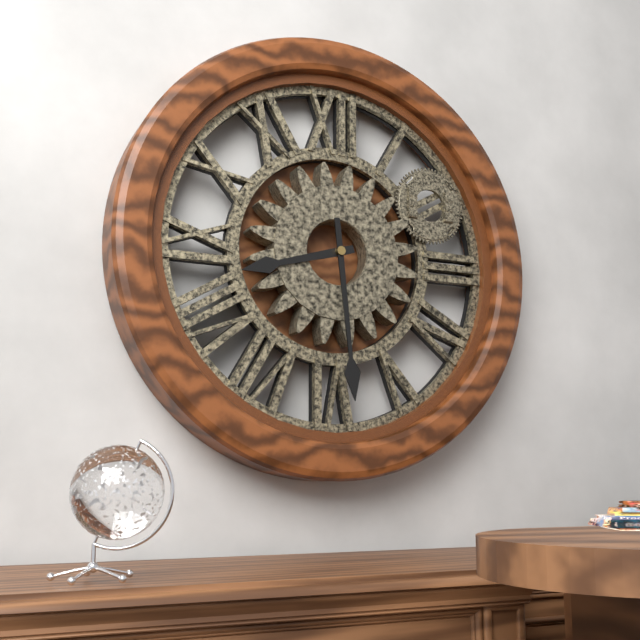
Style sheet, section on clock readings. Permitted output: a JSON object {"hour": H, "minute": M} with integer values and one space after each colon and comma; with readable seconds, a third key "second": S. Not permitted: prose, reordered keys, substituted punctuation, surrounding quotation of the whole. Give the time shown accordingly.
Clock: {"hour": 8, "minute": 29}
